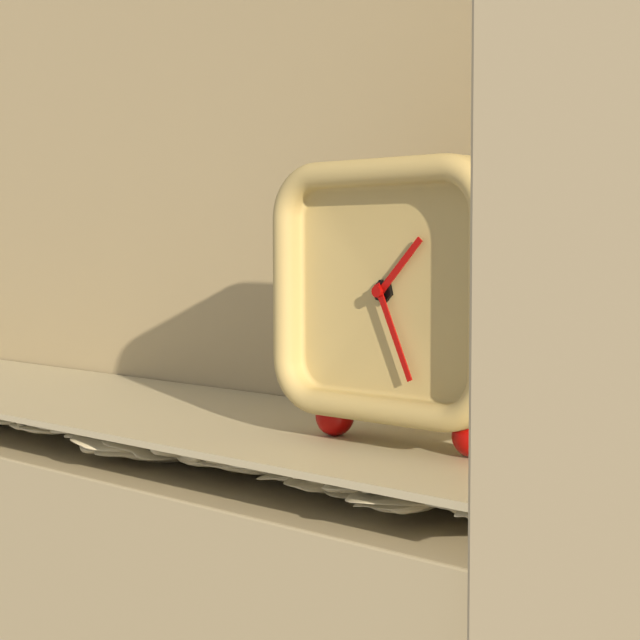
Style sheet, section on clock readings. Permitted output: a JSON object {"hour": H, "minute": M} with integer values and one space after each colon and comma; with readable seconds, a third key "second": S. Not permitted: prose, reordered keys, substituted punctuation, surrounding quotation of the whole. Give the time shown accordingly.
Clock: {"hour": 1, "minute": 26}
